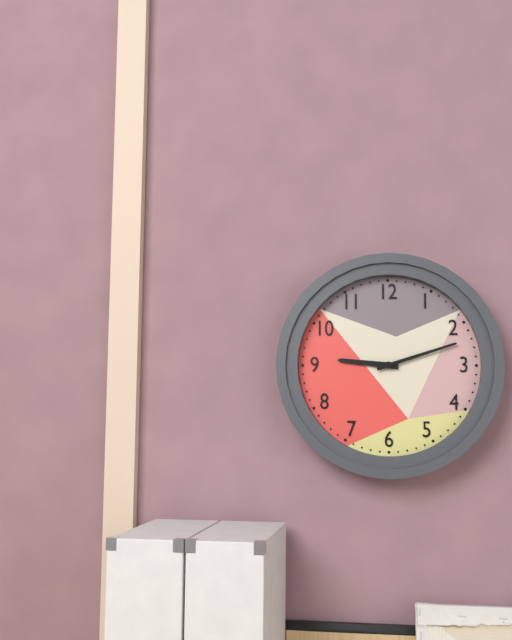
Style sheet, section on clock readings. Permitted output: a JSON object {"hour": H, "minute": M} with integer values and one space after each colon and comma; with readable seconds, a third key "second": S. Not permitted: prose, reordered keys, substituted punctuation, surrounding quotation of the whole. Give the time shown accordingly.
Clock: {"hour": 9, "minute": 12}
